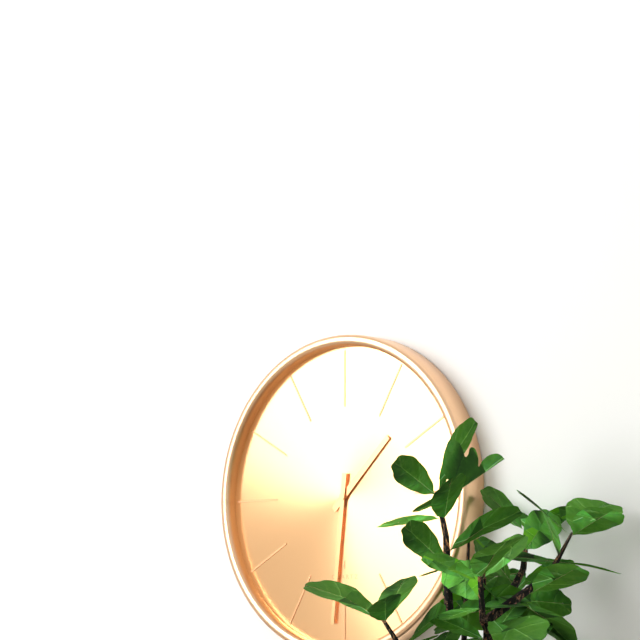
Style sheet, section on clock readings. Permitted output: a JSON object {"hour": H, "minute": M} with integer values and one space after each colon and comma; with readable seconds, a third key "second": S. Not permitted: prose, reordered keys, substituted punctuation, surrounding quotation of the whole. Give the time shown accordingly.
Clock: {"hour": 1, "minute": 31}
